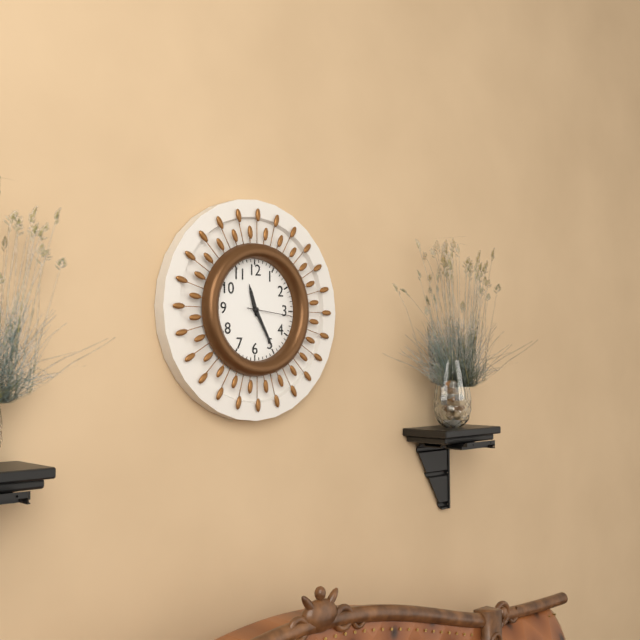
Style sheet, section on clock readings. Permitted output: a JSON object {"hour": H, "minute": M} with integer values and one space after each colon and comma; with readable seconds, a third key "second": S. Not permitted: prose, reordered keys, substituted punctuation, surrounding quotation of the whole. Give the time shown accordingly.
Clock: {"hour": 11, "minute": 25}
